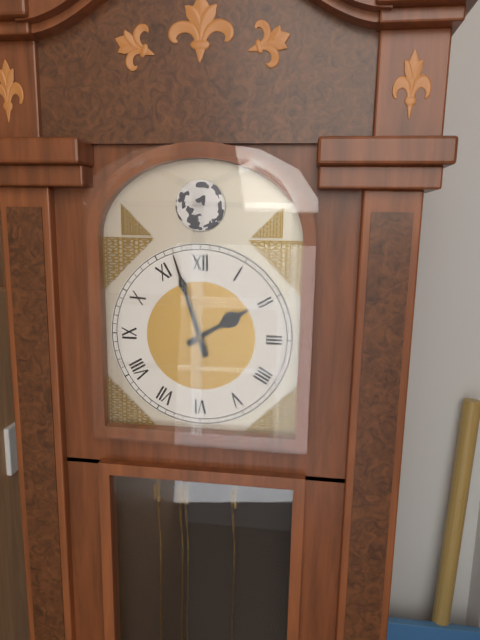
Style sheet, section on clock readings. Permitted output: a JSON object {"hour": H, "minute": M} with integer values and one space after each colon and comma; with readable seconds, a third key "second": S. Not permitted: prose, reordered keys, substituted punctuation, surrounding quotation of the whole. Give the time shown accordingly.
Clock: {"hour": 1, "minute": 57}
